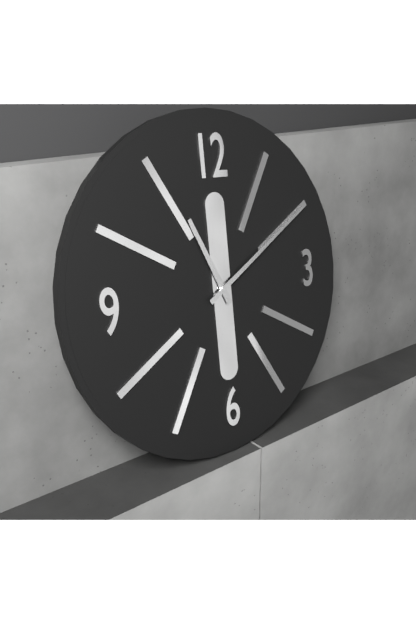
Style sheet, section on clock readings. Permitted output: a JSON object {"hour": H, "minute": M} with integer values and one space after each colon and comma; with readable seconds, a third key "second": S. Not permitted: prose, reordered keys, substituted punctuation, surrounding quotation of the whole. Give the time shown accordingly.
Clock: {"hour": 11, "minute": 10}
